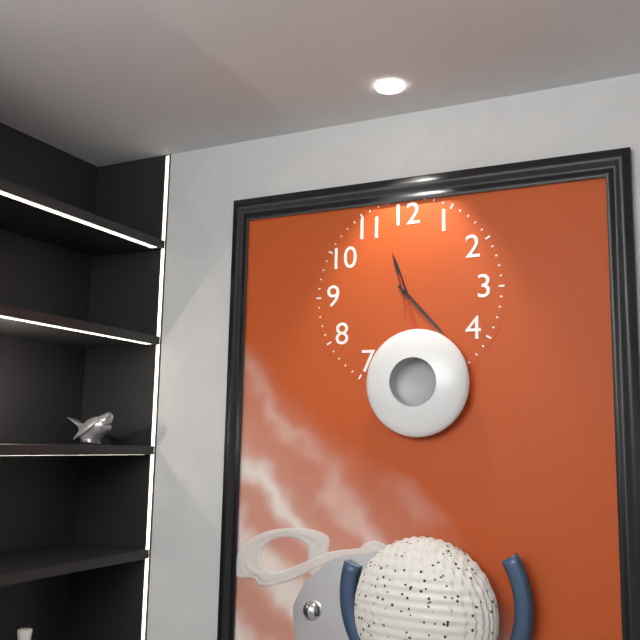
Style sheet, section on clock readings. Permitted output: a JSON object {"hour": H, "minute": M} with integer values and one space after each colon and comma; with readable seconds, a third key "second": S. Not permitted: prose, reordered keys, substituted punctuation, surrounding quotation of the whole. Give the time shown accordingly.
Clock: {"hour": 11, "minute": 23}
